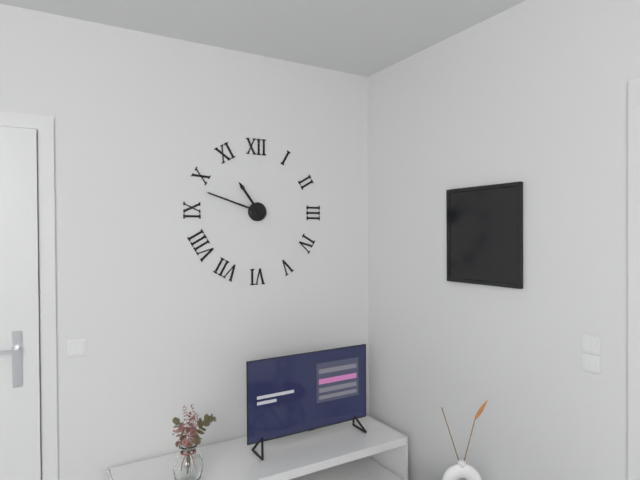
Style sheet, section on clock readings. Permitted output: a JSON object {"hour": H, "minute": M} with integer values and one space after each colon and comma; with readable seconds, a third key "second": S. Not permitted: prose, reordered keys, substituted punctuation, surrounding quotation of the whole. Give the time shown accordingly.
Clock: {"hour": 10, "minute": 48}
